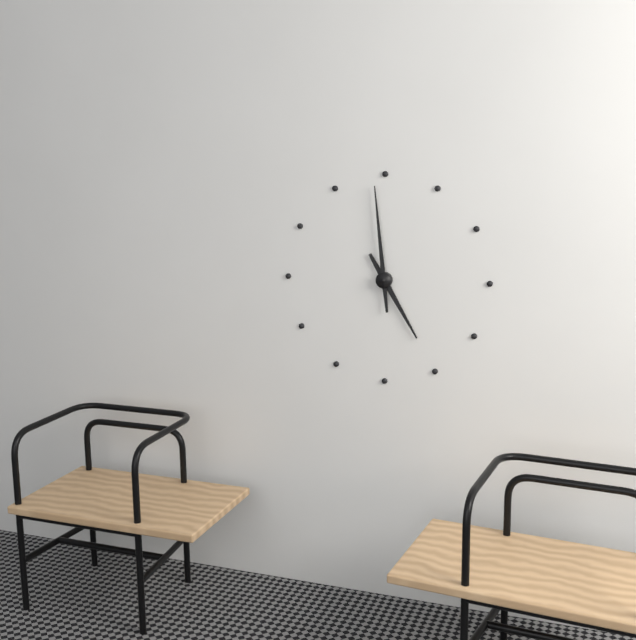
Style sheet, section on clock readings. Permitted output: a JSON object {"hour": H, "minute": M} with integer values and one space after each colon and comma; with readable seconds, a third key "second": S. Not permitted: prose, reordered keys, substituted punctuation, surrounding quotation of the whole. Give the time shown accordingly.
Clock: {"hour": 4, "minute": 59}
